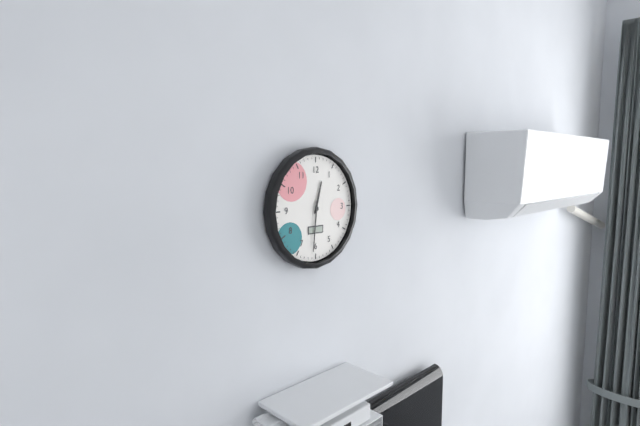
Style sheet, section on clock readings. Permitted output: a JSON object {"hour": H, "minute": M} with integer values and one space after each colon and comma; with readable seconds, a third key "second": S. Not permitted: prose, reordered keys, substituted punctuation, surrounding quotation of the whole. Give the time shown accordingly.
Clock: {"hour": 12, "minute": 31}
